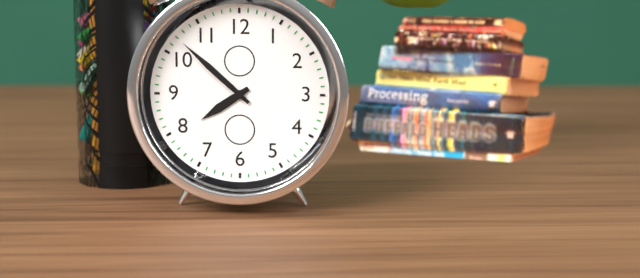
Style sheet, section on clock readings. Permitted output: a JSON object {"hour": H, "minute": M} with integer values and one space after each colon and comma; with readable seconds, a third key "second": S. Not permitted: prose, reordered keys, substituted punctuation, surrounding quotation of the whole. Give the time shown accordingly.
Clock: {"hour": 7, "minute": 52}
